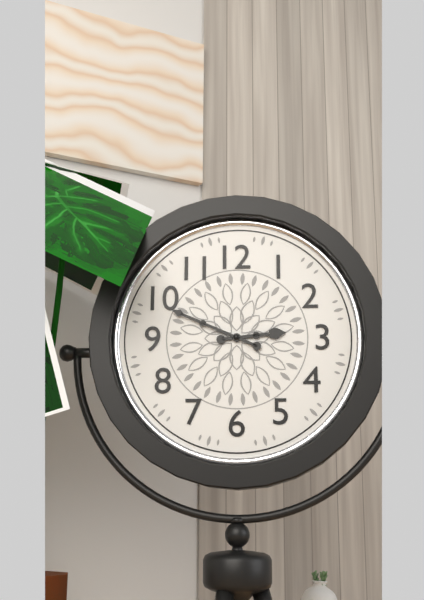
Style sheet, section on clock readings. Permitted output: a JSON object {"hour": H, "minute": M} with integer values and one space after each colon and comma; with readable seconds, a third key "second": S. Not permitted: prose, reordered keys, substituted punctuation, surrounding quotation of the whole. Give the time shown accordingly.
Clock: {"hour": 2, "minute": 49}
